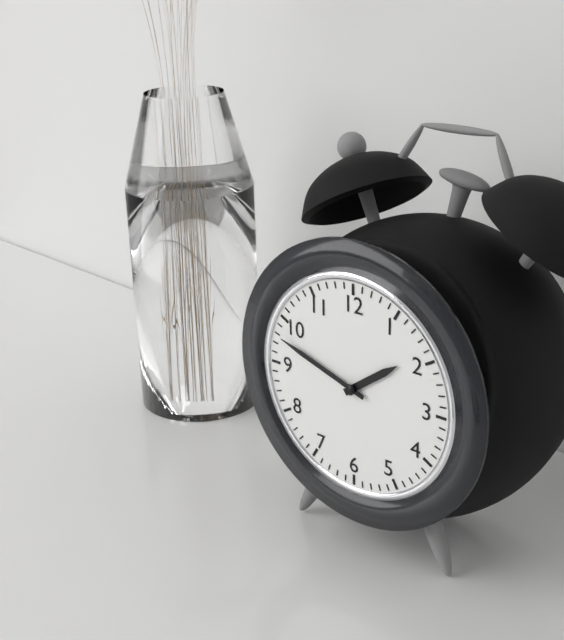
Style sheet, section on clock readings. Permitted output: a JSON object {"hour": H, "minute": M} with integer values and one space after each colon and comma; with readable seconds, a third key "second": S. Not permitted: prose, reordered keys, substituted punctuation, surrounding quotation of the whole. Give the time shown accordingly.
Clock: {"hour": 1, "minute": 48}
